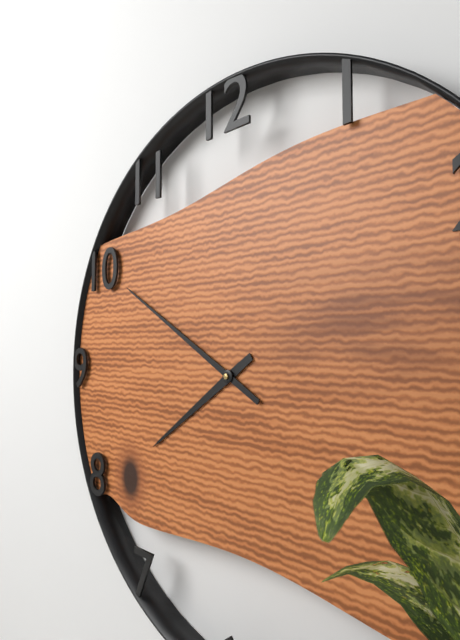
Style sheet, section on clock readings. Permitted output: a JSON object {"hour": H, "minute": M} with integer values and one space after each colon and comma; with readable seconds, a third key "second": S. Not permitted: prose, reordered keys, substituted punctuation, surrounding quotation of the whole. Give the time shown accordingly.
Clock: {"hour": 7, "minute": 50}
